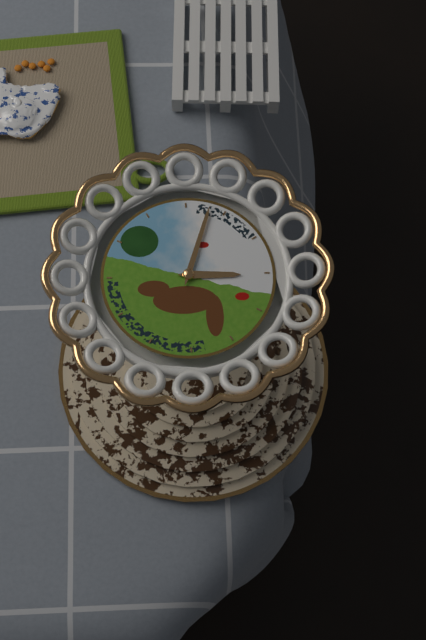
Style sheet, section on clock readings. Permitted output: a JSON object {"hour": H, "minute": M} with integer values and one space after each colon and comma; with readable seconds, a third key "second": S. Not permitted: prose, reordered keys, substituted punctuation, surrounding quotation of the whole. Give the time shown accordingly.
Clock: {"hour": 3, "minute": 3}
